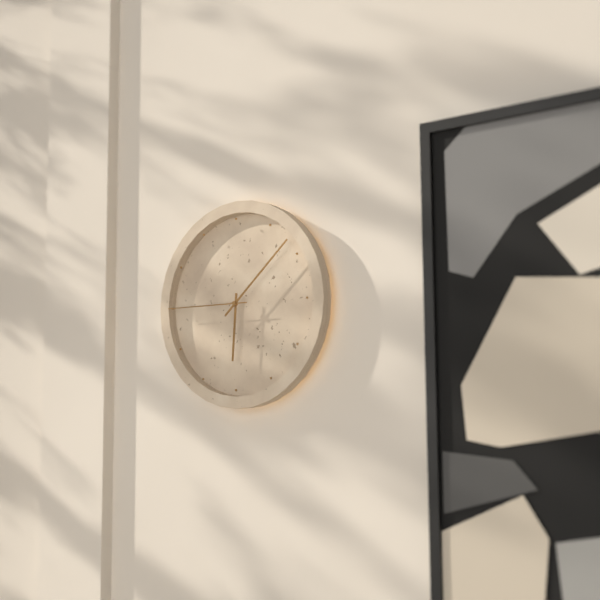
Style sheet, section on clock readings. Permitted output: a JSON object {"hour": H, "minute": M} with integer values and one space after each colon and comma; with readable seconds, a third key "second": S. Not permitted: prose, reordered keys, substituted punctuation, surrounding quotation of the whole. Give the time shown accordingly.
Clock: {"hour": 6, "minute": 8, "second": 45}
